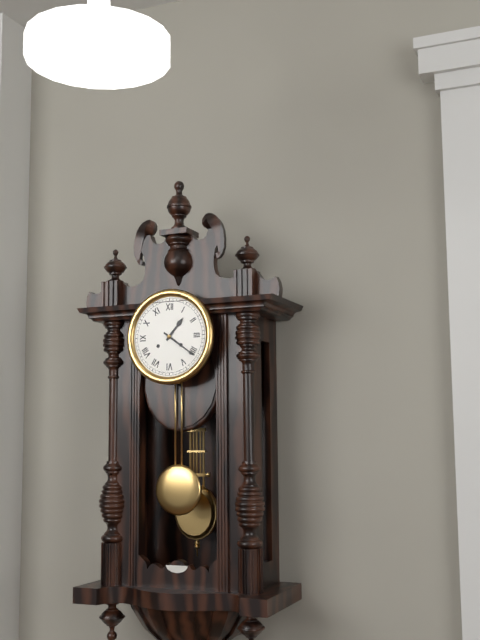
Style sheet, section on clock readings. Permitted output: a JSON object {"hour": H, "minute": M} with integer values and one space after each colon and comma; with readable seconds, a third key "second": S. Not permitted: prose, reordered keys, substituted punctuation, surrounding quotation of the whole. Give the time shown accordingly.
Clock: {"hour": 1, "minute": 21}
